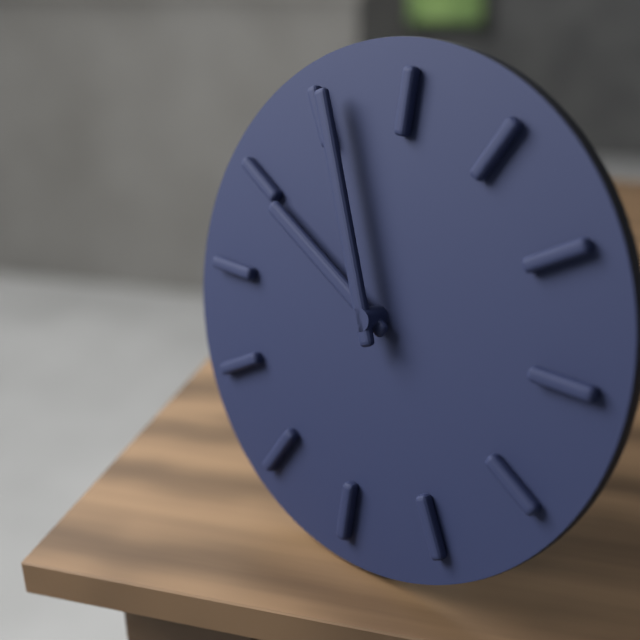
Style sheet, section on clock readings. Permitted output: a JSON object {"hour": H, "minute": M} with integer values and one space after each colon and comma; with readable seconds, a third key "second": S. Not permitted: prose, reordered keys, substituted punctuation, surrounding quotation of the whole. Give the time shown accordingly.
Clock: {"hour": 9, "minute": 56}
